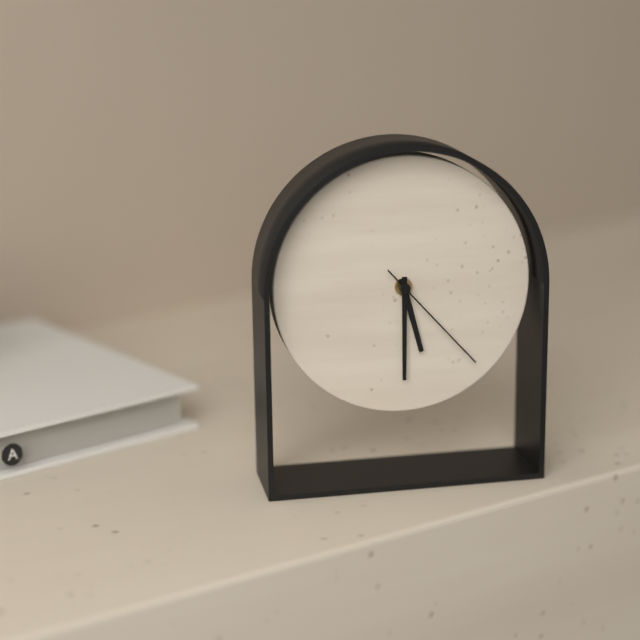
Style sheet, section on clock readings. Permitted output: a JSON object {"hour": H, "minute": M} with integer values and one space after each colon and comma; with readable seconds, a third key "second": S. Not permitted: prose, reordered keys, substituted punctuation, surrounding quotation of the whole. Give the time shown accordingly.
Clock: {"hour": 5, "minute": 30, "second": 23}
